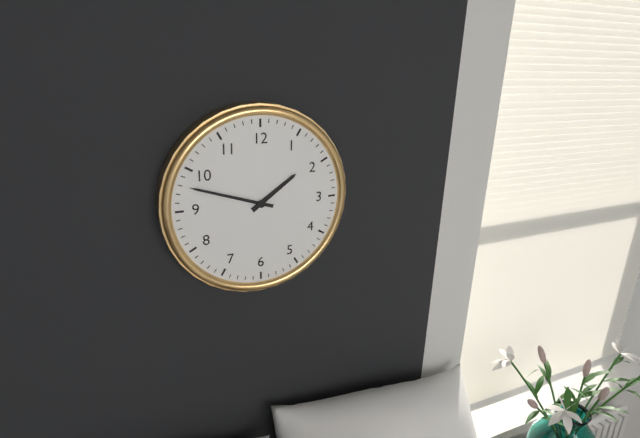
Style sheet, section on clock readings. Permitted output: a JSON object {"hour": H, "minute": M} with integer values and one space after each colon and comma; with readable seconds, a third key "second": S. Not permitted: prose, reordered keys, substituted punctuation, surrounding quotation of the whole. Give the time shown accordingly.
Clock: {"hour": 1, "minute": 48}
